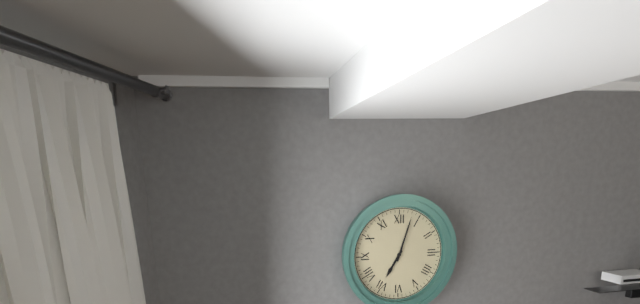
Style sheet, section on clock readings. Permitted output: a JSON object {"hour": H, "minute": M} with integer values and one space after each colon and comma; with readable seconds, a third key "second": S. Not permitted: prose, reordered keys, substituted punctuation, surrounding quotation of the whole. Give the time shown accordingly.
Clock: {"hour": 7, "minute": 3}
